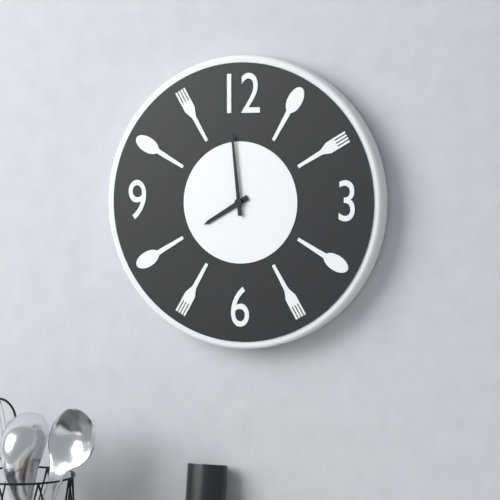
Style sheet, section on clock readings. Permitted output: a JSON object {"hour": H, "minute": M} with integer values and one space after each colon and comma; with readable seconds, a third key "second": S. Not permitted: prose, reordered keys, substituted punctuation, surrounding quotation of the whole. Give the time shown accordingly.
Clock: {"hour": 7, "minute": 59}
